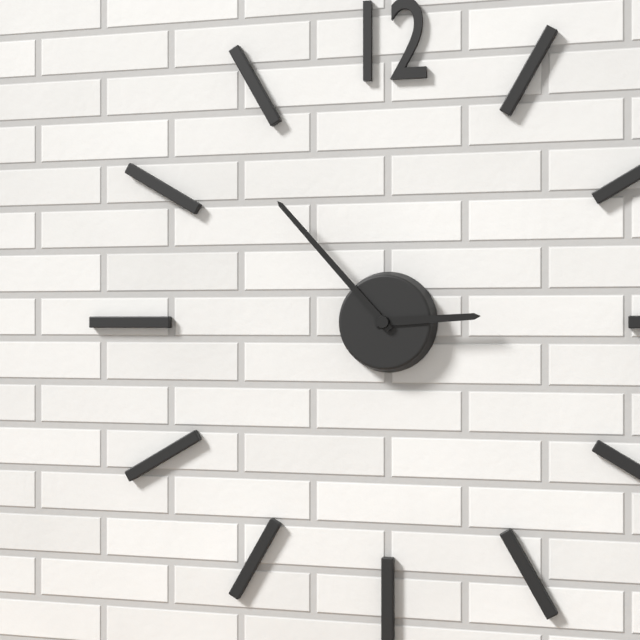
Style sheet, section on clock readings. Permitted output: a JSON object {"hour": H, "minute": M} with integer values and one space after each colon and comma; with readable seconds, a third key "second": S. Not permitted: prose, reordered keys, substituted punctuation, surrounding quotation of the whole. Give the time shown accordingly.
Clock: {"hour": 2, "minute": 53}
